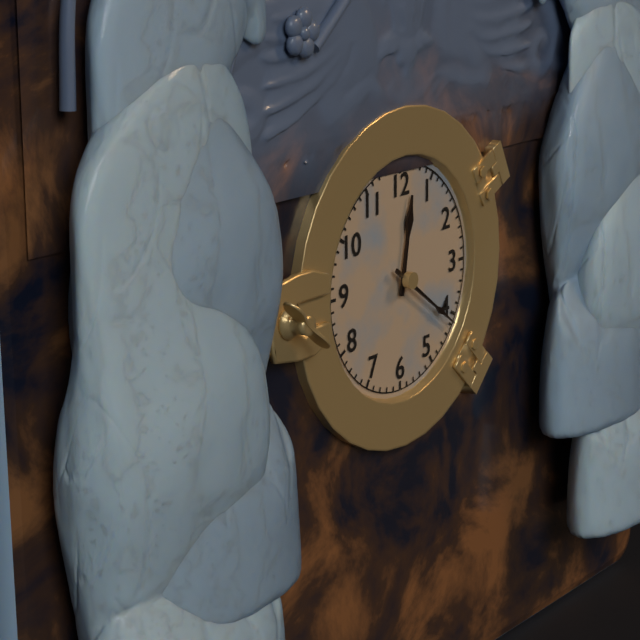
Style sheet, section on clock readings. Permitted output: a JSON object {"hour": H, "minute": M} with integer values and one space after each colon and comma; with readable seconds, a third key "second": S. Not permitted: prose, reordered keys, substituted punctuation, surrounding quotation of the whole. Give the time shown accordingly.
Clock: {"hour": 12, "minute": 21}
